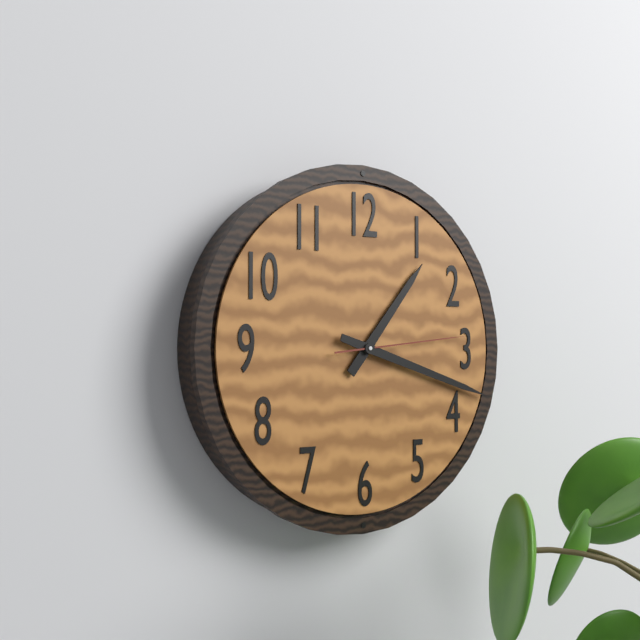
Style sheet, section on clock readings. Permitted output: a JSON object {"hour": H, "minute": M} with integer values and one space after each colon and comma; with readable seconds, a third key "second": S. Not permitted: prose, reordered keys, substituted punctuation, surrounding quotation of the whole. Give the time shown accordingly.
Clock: {"hour": 1, "minute": 18, "second": 14}
